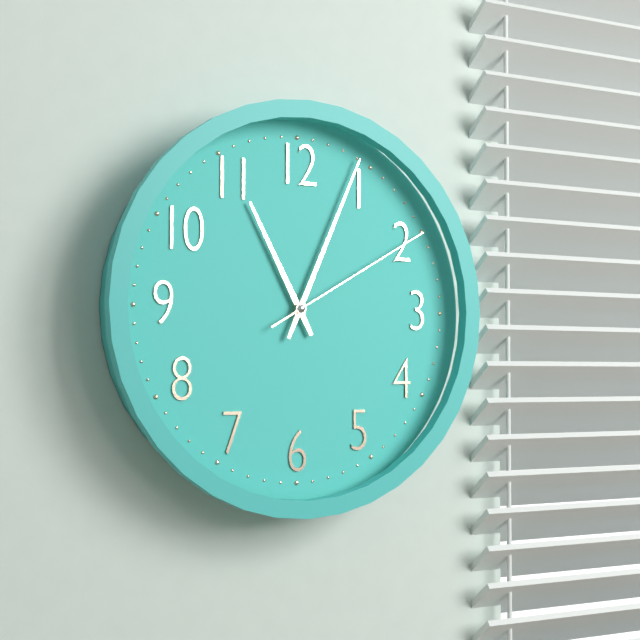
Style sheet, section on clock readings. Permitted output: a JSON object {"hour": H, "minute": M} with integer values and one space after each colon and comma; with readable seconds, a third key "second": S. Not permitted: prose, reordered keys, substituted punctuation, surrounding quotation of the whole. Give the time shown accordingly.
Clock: {"hour": 11, "minute": 4, "second": 10}
